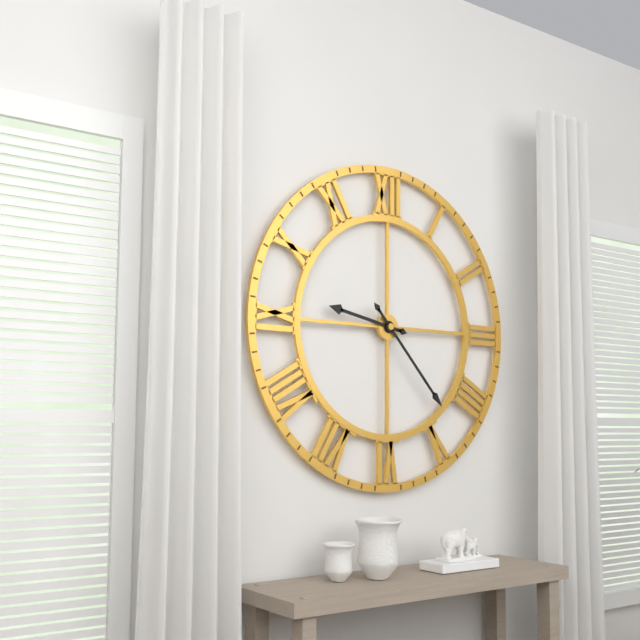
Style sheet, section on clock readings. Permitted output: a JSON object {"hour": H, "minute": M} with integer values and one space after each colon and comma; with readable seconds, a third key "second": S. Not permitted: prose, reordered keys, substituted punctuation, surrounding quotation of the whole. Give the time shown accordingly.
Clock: {"hour": 9, "minute": 23}
